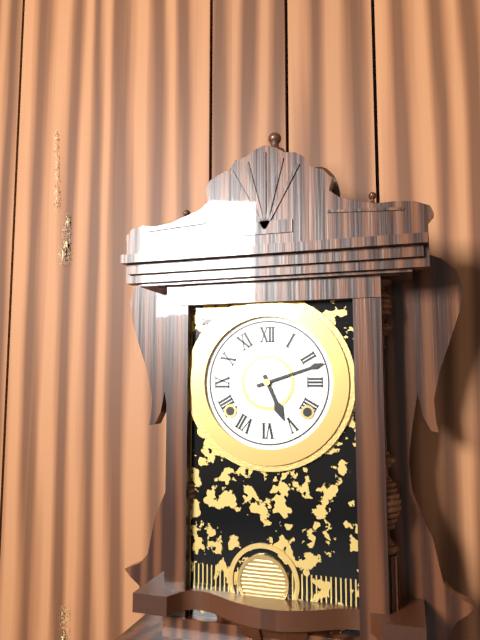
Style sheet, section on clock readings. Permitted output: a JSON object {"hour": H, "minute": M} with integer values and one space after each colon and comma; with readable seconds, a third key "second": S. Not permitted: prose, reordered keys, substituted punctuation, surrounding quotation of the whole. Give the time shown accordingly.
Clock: {"hour": 5, "minute": 12}
